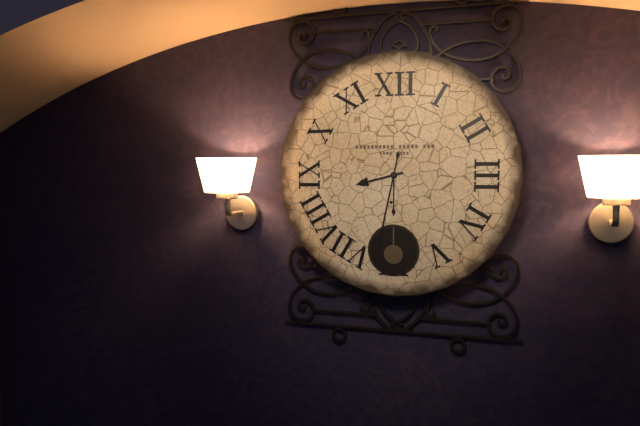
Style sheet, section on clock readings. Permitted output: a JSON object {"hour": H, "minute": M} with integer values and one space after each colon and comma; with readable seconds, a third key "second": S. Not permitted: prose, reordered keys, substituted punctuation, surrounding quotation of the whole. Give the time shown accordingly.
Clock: {"hour": 8, "minute": 32}
